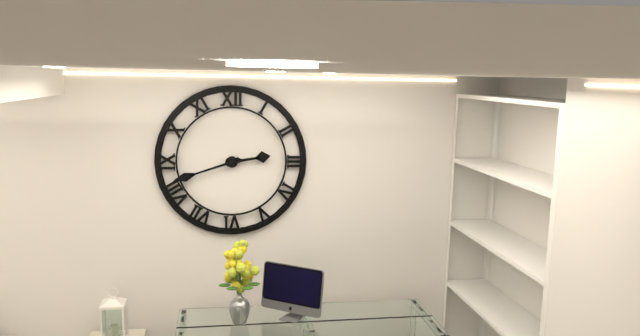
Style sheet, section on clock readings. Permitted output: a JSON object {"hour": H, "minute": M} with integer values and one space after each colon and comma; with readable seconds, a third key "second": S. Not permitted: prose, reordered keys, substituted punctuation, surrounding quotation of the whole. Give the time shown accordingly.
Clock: {"hour": 2, "minute": 42}
